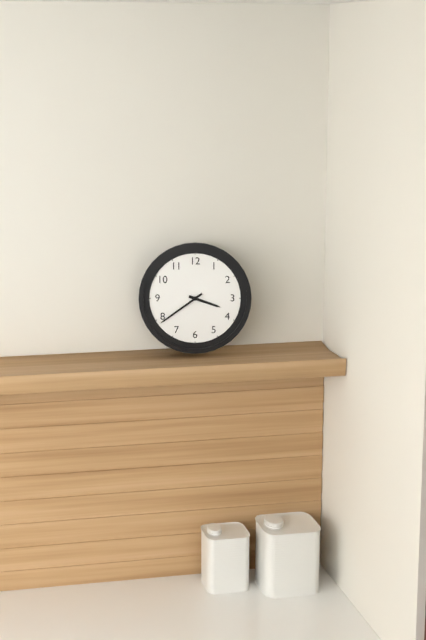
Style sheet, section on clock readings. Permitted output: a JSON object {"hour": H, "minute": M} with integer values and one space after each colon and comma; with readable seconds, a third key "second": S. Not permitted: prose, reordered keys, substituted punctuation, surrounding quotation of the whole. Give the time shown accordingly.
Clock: {"hour": 3, "minute": 39}
